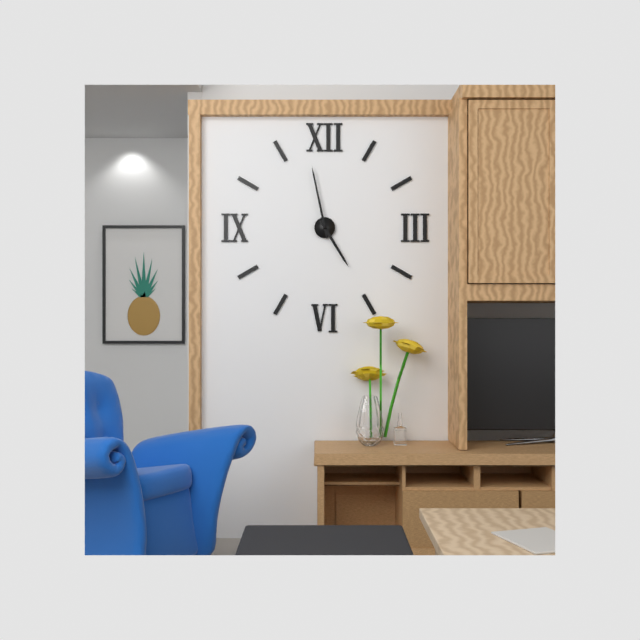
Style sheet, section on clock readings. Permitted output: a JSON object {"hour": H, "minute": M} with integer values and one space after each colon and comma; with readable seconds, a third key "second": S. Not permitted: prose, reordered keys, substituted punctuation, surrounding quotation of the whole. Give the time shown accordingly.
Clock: {"hour": 4, "minute": 58}
